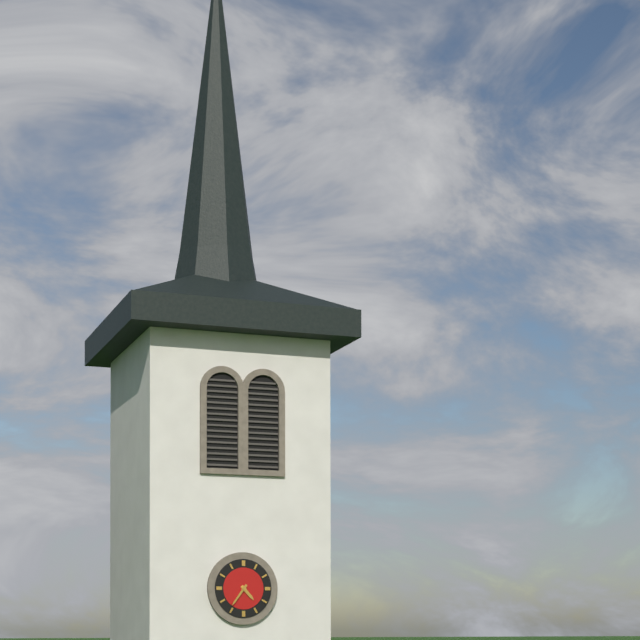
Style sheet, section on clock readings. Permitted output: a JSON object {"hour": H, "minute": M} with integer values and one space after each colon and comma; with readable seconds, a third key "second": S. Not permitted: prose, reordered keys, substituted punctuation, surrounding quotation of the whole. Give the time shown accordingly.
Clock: {"hour": 4, "minute": 36}
